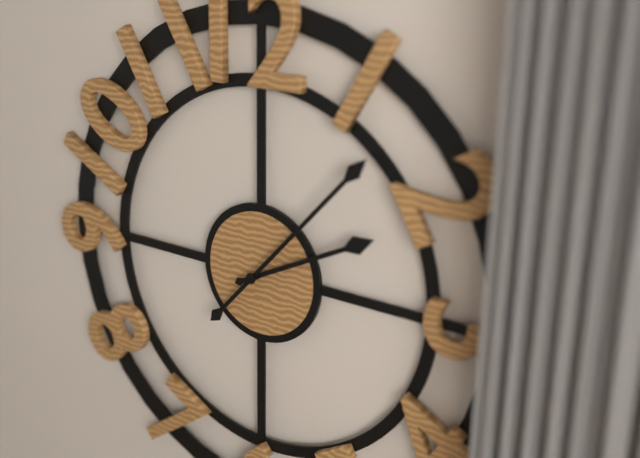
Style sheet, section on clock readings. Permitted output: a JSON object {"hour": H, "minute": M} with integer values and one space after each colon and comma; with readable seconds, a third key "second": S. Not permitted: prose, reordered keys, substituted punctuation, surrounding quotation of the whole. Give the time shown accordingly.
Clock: {"hour": 2, "minute": 7}
